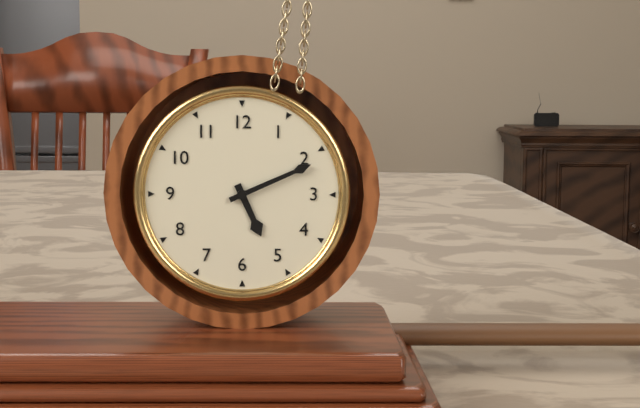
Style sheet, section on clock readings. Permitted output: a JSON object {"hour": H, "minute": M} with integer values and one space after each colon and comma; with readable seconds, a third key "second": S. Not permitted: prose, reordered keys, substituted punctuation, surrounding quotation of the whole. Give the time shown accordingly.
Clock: {"hour": 5, "minute": 11}
